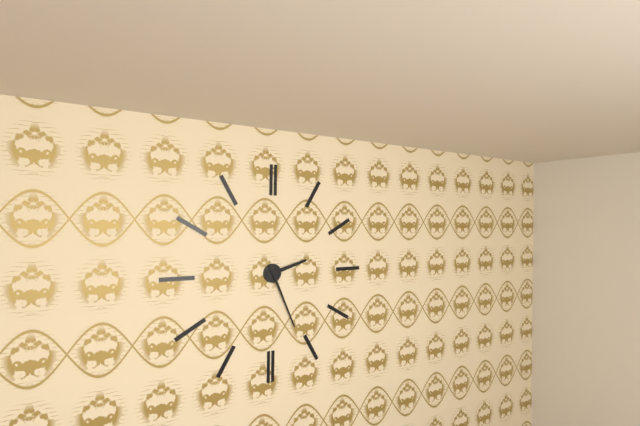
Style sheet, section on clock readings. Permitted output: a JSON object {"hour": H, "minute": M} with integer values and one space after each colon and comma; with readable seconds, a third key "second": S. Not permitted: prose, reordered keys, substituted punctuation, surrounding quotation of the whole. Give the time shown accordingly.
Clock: {"hour": 2, "minute": 26}
